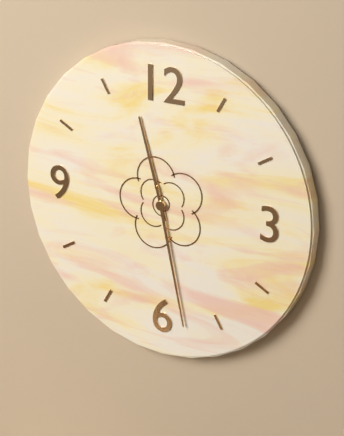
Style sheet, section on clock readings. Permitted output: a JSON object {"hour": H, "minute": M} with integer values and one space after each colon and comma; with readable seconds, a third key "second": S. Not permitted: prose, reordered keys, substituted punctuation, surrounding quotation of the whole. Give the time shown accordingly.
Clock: {"hour": 11, "minute": 28}
